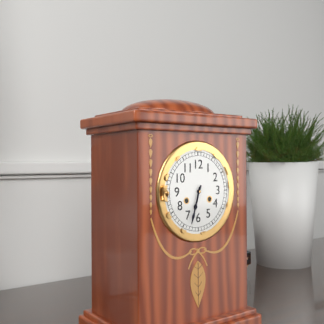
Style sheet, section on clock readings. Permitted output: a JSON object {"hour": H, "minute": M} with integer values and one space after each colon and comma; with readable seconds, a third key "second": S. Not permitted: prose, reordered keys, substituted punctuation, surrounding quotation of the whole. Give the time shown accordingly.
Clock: {"hour": 6, "minute": 33}
